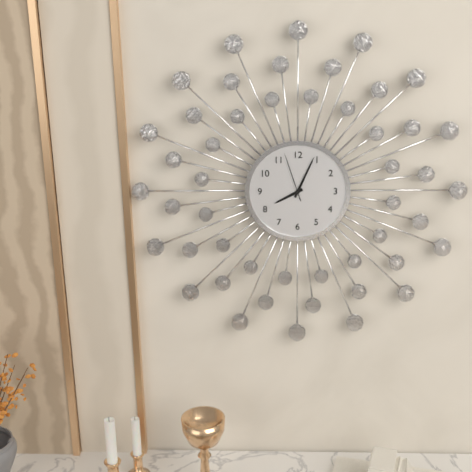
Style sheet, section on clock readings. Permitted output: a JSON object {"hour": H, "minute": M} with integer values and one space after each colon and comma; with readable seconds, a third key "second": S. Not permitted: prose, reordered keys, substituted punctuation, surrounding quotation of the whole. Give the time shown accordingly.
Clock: {"hour": 8, "minute": 4, "second": 57}
